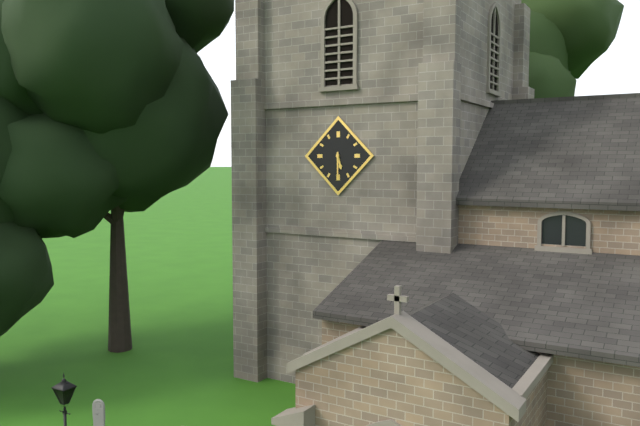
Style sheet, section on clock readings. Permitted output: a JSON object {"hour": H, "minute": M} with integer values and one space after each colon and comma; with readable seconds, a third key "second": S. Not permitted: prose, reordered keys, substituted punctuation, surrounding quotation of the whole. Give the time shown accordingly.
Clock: {"hour": 5, "minute": 30}
